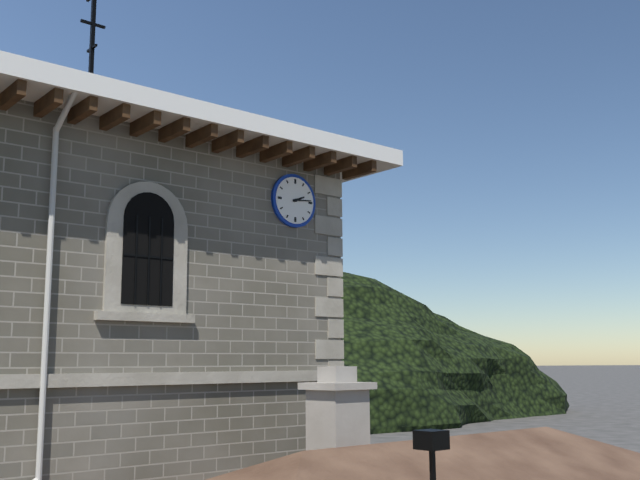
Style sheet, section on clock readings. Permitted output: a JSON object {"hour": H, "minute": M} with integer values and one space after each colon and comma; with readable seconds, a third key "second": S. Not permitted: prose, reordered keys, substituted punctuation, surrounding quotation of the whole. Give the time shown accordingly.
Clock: {"hour": 2, "minute": 14}
